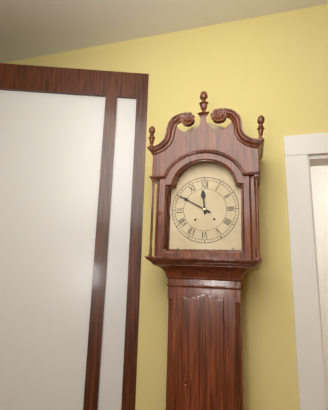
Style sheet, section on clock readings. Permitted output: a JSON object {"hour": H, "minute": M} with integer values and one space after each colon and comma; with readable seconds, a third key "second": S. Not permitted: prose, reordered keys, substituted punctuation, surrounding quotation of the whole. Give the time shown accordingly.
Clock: {"hour": 11, "minute": 50}
